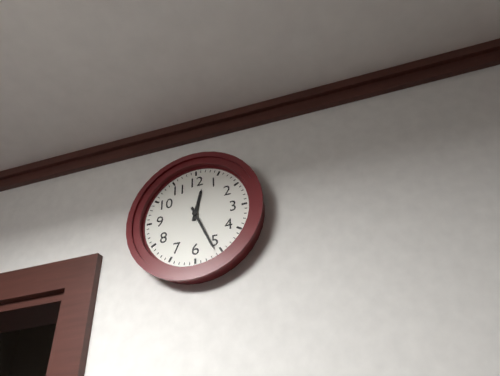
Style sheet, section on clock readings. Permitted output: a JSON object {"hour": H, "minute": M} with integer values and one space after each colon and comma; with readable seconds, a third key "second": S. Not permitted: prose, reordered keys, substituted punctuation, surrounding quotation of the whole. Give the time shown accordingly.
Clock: {"hour": 12, "minute": 26}
